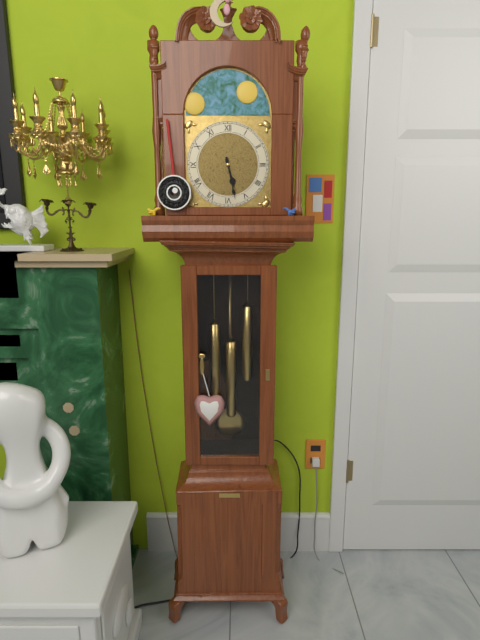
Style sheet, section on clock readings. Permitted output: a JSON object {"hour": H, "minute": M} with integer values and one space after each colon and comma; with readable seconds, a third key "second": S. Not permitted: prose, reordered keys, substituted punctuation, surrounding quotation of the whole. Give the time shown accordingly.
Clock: {"hour": 5, "minute": 28}
